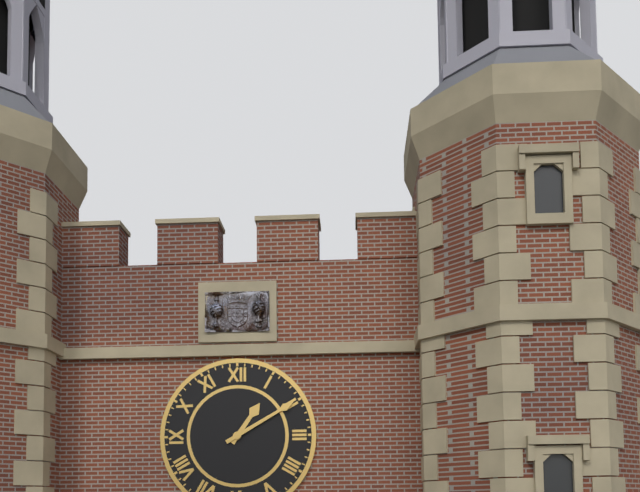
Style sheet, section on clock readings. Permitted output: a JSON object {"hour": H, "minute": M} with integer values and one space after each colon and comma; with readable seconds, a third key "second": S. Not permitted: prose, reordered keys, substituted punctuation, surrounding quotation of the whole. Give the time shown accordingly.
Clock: {"hour": 1, "minute": 10}
